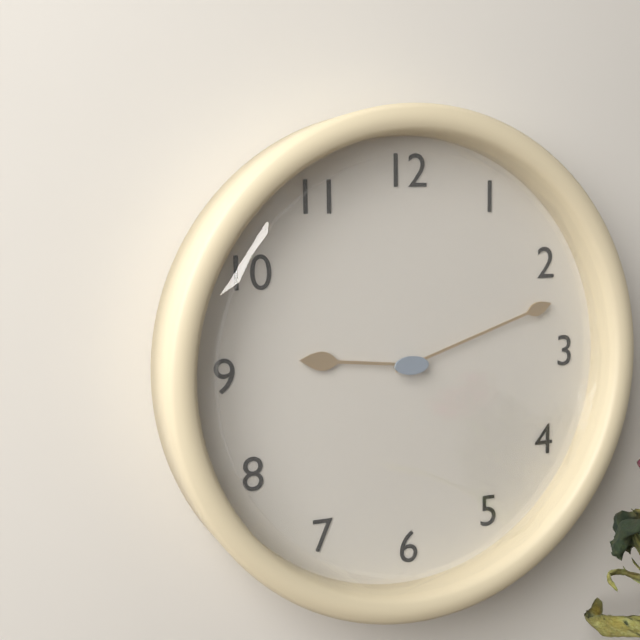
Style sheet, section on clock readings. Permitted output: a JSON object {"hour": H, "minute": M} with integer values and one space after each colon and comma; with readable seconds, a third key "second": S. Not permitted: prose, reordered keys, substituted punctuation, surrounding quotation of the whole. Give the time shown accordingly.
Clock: {"hour": 9, "minute": 12}
